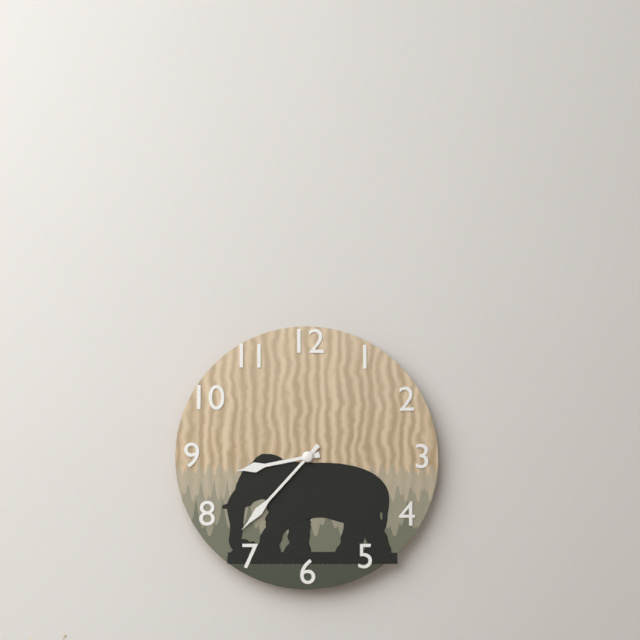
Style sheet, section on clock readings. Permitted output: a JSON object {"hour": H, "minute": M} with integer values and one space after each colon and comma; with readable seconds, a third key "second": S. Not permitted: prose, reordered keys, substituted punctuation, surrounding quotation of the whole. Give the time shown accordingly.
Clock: {"hour": 8, "minute": 37}
